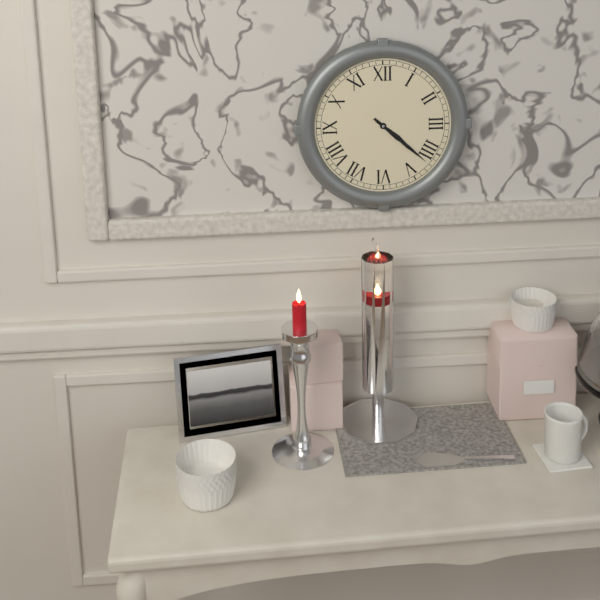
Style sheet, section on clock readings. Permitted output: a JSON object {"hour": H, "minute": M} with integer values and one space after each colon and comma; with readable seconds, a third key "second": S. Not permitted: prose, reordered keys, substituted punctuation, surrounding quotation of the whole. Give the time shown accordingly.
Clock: {"hour": 4, "minute": 22}
